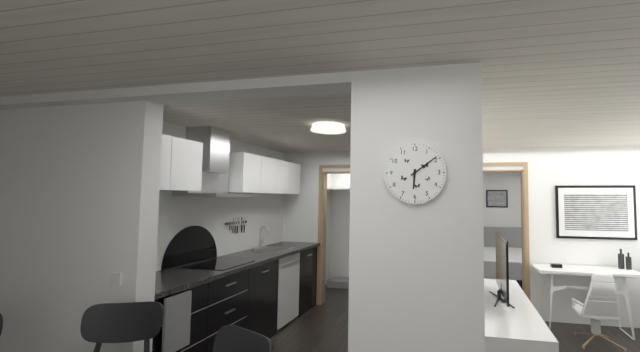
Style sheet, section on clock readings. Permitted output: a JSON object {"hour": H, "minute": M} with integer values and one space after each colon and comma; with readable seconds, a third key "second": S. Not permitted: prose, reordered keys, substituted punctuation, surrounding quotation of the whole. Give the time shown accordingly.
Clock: {"hour": 6, "minute": 9}
